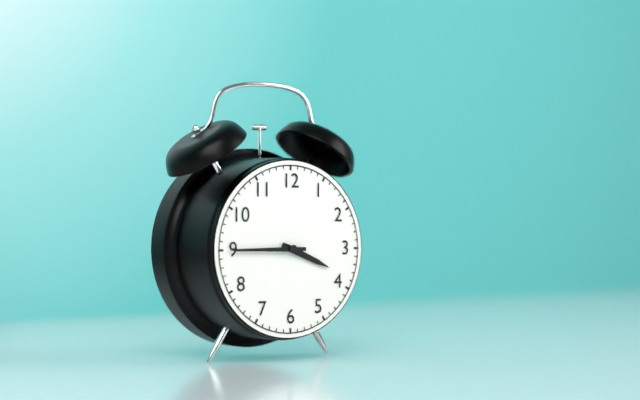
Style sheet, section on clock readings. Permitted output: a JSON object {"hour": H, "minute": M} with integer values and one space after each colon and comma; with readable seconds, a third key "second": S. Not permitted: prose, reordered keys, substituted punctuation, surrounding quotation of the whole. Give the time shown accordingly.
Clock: {"hour": 3, "minute": 45}
